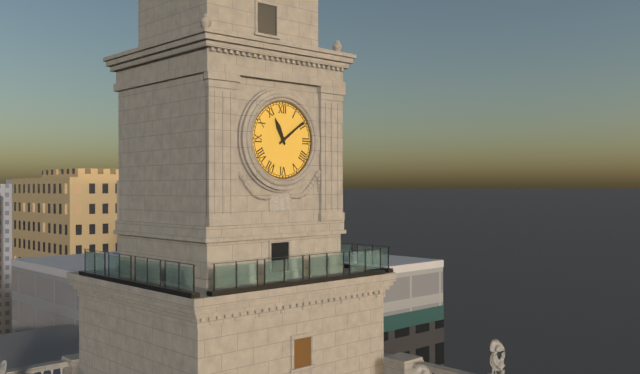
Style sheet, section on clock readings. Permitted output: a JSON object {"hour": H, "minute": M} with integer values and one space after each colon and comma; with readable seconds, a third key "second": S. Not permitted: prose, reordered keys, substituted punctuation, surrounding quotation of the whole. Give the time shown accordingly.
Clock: {"hour": 11, "minute": 9}
